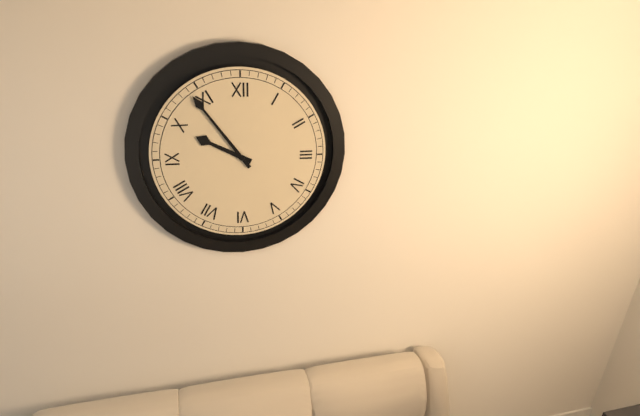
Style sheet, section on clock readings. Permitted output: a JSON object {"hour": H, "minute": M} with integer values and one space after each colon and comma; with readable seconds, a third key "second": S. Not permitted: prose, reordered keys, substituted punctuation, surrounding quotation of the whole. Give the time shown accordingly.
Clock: {"hour": 9, "minute": 54}
